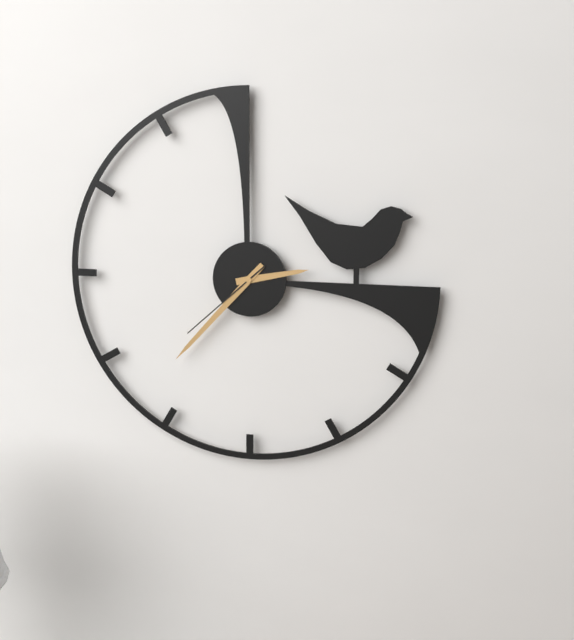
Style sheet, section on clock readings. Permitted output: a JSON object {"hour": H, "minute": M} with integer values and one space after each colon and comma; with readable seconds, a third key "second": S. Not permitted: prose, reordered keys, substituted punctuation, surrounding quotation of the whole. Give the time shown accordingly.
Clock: {"hour": 2, "minute": 37, "second": 38}
